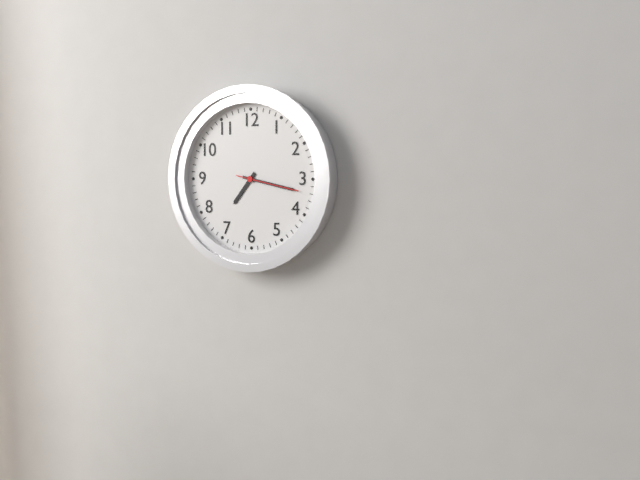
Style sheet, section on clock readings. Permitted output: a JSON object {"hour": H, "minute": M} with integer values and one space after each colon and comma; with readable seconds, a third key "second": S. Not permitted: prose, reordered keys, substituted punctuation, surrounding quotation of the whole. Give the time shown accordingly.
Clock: {"hour": 7, "minute": 17, "second": 17}
